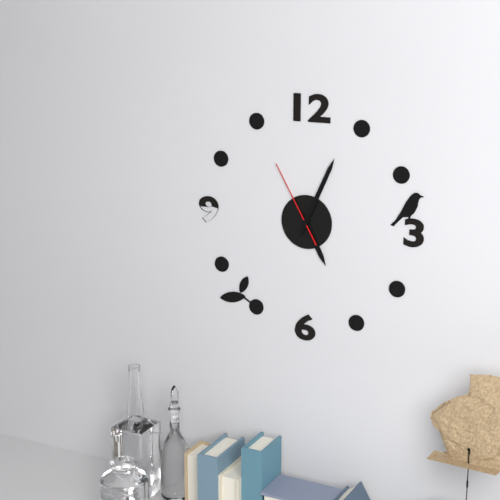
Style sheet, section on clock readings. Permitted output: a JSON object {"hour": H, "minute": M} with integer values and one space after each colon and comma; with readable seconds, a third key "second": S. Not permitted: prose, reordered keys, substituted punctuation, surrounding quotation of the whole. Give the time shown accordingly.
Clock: {"hour": 5, "minute": 4, "second": 55}
